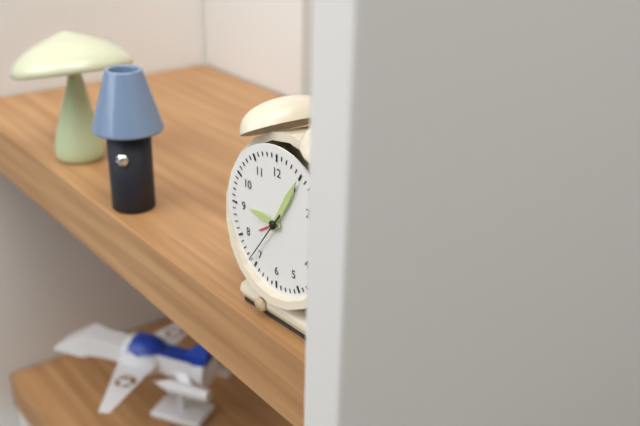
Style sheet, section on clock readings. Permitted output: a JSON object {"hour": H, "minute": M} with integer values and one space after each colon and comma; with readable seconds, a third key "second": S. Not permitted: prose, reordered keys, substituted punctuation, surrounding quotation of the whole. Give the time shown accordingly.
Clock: {"hour": 9, "minute": 5, "second": 36}
